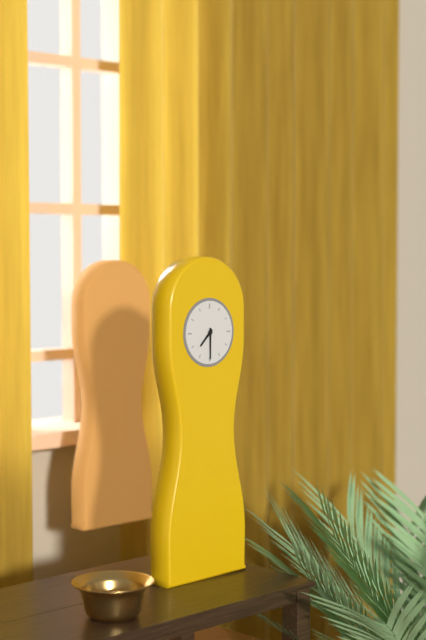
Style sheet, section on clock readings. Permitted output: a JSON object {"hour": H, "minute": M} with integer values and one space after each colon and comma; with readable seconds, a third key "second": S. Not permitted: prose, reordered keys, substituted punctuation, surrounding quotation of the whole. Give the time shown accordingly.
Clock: {"hour": 7, "minute": 30}
